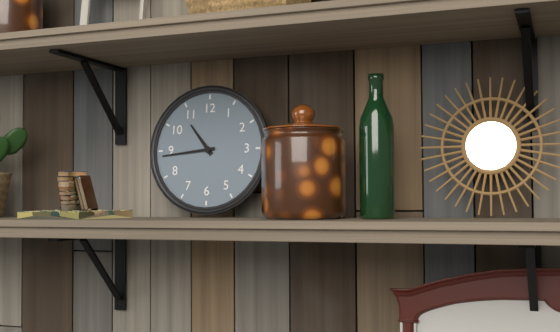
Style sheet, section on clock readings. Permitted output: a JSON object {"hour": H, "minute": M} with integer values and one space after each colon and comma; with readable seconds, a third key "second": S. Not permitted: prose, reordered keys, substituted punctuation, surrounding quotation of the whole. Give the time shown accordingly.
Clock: {"hour": 10, "minute": 44}
